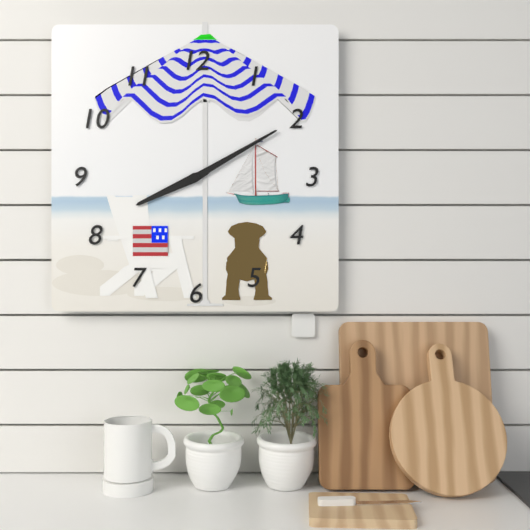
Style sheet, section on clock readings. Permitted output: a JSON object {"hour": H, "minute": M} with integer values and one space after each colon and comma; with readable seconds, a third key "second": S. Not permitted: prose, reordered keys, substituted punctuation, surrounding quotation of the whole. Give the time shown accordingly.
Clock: {"hour": 8, "minute": 10}
